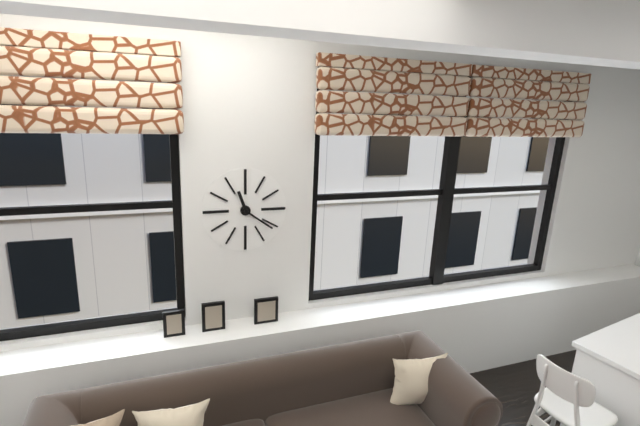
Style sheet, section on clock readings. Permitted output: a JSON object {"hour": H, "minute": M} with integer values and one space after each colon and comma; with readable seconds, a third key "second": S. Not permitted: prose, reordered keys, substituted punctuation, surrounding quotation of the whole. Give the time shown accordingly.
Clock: {"hour": 11, "minute": 21}
